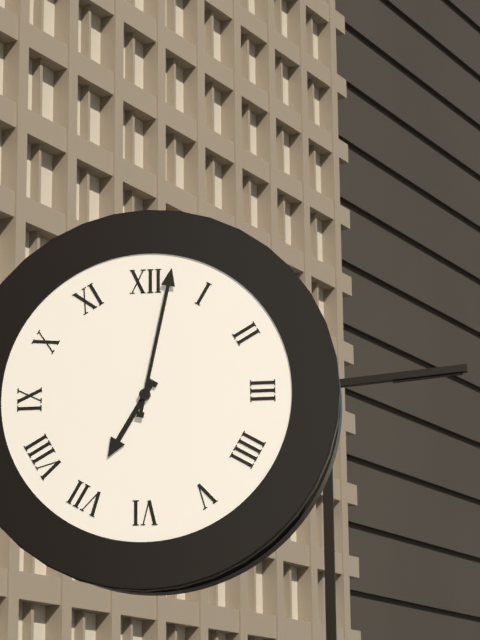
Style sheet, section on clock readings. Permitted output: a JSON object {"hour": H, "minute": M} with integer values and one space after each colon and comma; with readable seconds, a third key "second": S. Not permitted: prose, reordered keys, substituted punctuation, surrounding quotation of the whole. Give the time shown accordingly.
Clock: {"hour": 7, "minute": 2}
